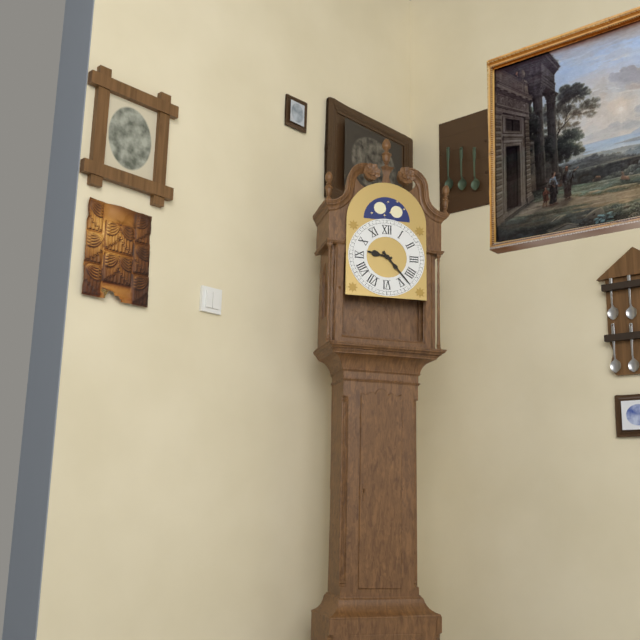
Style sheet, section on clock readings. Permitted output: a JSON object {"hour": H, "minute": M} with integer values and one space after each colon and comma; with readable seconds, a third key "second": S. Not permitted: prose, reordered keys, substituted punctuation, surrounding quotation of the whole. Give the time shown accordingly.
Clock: {"hour": 9, "minute": 23}
